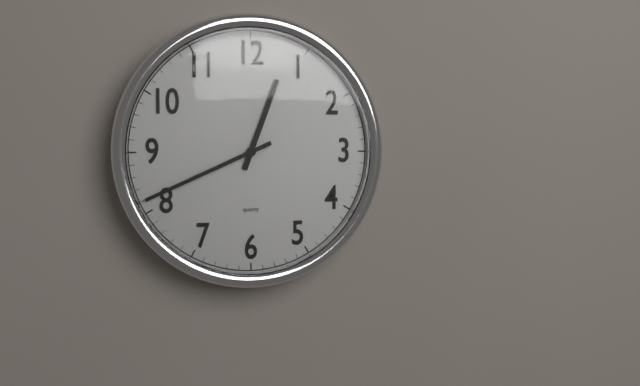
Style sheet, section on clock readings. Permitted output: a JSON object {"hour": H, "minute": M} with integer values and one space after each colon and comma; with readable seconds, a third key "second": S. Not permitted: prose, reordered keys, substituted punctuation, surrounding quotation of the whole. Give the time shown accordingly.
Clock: {"hour": 12, "minute": 41}
